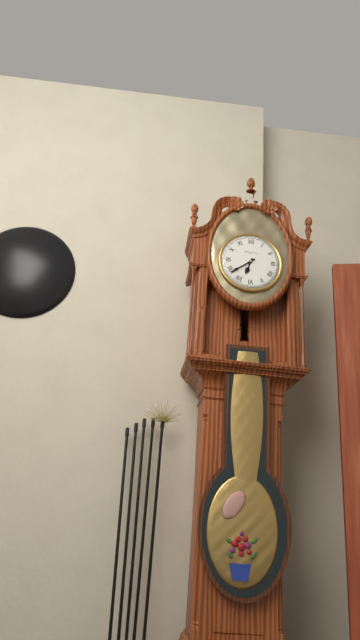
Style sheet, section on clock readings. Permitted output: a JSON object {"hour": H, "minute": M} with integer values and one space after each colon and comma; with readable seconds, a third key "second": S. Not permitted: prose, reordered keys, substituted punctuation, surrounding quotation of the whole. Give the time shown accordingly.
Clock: {"hour": 6, "minute": 39}
